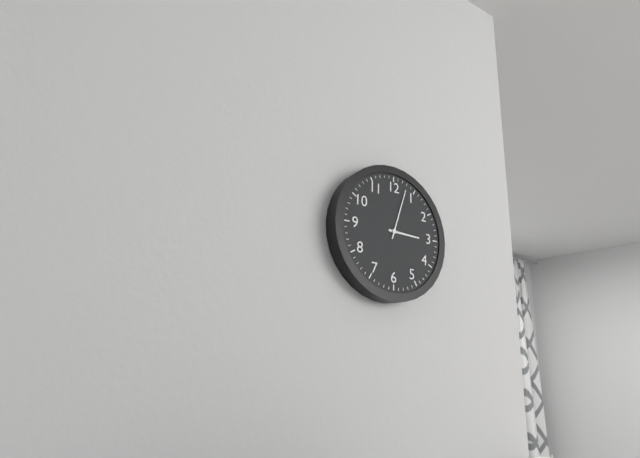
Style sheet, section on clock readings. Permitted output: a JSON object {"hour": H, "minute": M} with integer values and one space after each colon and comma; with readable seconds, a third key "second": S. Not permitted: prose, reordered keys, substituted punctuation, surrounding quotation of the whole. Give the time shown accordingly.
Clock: {"hour": 3, "minute": 3}
